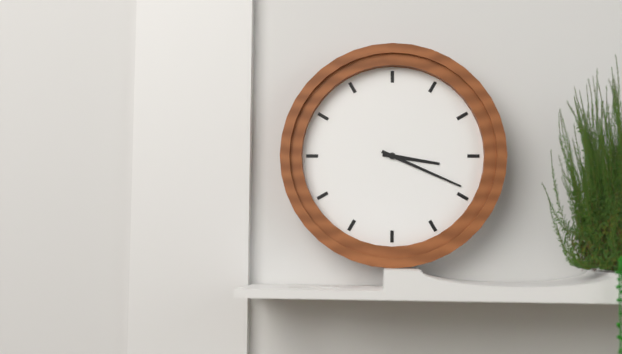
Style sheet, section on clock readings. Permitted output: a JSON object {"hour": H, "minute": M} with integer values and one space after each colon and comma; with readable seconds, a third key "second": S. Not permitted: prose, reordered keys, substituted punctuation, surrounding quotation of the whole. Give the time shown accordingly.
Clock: {"hour": 3, "minute": 19}
